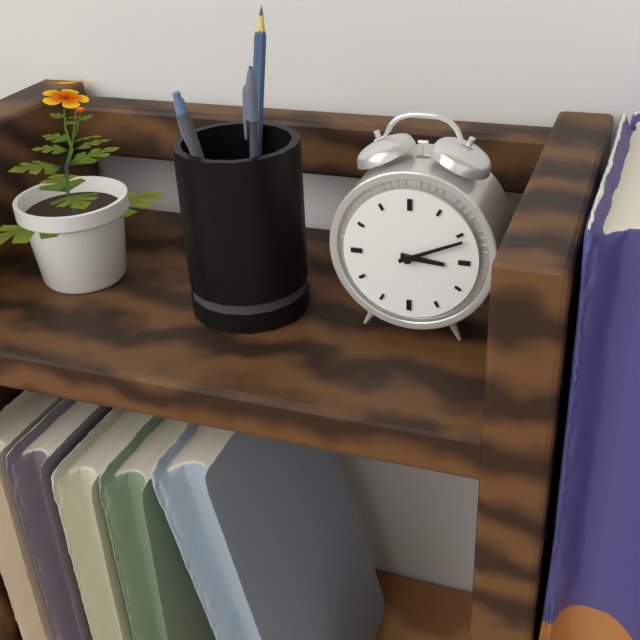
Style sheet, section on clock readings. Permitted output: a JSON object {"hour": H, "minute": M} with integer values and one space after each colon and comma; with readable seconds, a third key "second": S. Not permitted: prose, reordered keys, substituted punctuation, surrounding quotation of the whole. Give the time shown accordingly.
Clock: {"hour": 3, "minute": 11}
